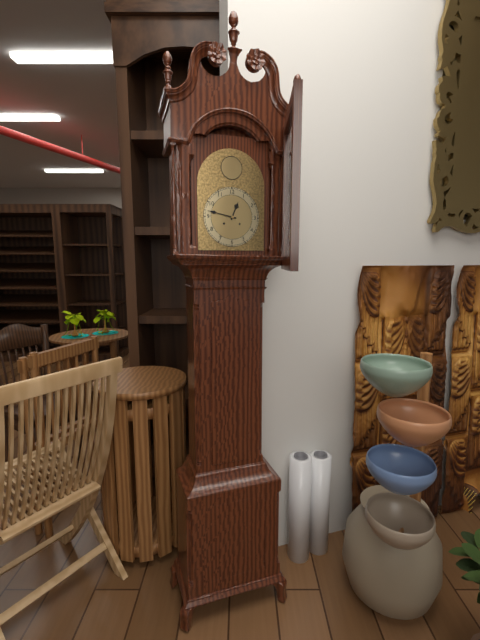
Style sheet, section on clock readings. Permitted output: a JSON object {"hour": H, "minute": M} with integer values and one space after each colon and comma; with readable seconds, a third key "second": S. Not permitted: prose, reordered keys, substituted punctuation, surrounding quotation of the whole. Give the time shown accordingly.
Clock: {"hour": 12, "minute": 47}
